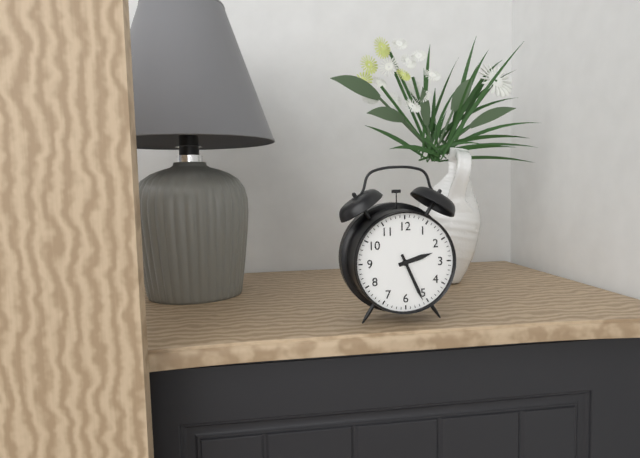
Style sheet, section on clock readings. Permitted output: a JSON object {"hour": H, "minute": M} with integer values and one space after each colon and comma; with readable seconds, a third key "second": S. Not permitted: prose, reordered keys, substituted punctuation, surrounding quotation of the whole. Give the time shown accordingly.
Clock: {"hour": 2, "minute": 26}
